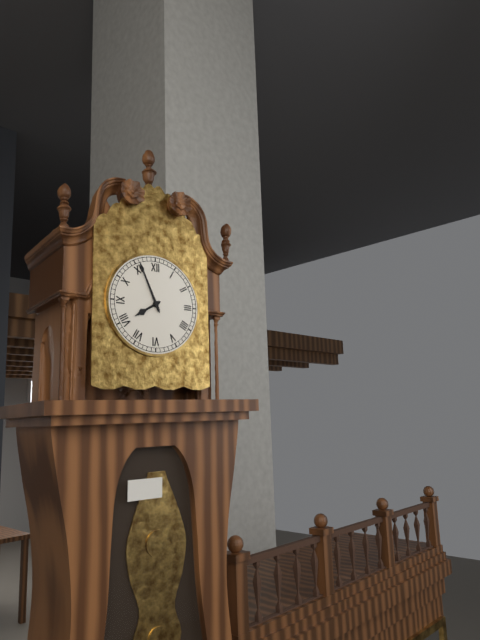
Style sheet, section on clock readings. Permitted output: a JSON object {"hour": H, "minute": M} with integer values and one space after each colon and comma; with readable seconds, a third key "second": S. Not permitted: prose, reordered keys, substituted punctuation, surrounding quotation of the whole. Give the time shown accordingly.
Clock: {"hour": 7, "minute": 56}
